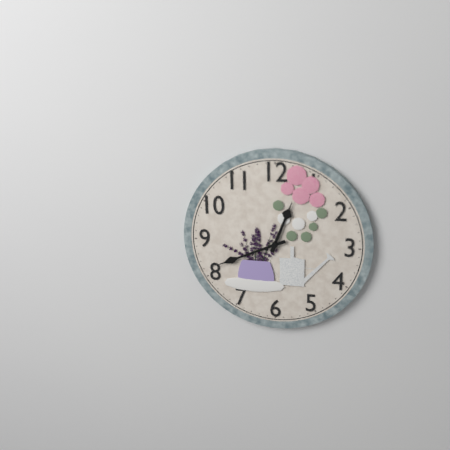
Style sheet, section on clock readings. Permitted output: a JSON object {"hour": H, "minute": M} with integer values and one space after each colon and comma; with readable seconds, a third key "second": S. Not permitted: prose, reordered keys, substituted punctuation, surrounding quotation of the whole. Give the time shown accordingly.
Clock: {"hour": 12, "minute": 41}
